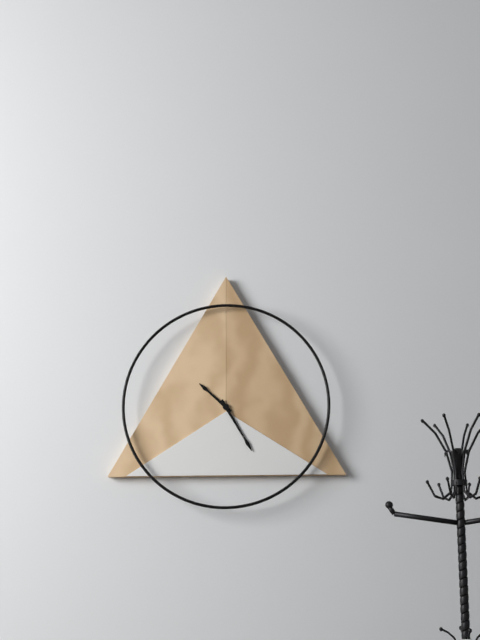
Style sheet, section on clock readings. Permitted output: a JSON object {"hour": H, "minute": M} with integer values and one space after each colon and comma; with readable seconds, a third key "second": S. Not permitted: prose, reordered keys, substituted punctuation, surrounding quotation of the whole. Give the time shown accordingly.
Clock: {"hour": 10, "minute": 25}
